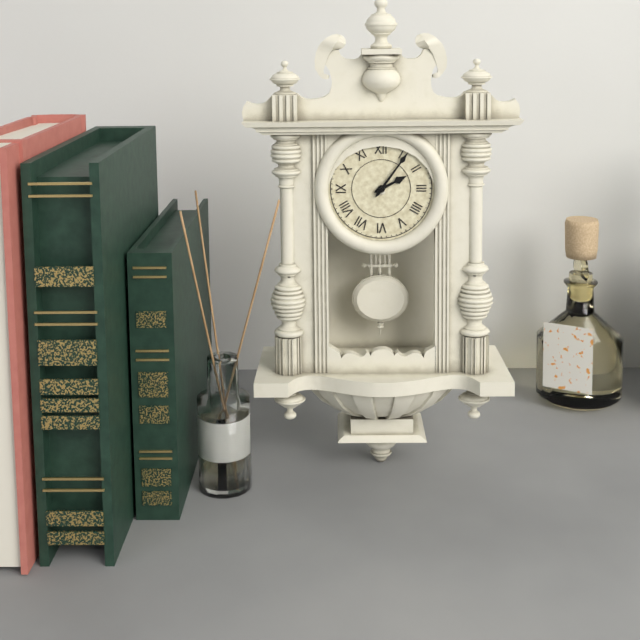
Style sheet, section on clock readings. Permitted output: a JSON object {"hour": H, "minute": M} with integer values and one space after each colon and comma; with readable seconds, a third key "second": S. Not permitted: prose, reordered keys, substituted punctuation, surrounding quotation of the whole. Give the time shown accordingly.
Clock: {"hour": 2, "minute": 6}
